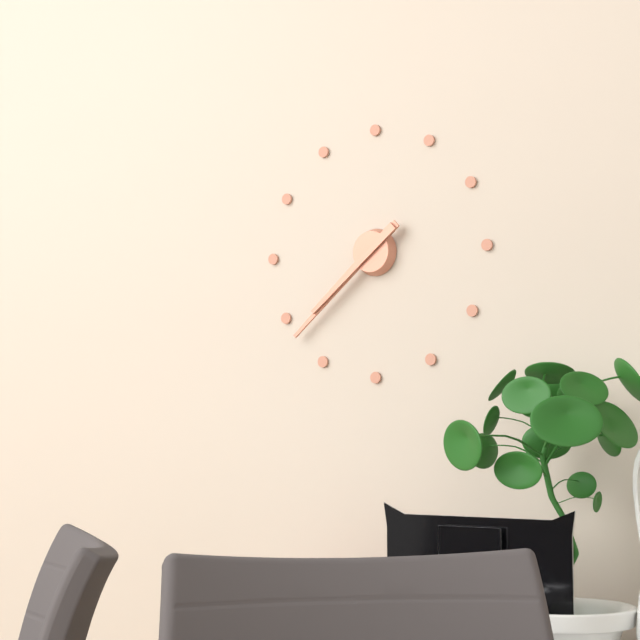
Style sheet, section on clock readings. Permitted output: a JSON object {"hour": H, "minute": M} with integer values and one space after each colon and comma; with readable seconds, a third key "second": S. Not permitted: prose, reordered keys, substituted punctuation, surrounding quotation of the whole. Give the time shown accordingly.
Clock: {"hour": 7, "minute": 38}
